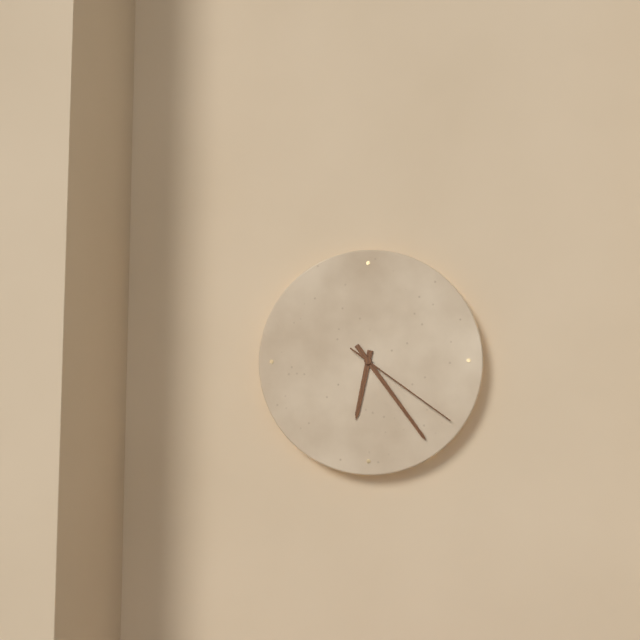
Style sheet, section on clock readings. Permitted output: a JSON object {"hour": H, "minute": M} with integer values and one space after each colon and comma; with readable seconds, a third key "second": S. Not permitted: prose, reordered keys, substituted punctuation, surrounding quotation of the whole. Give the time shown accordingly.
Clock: {"hour": 6, "minute": 24, "second": 21}
